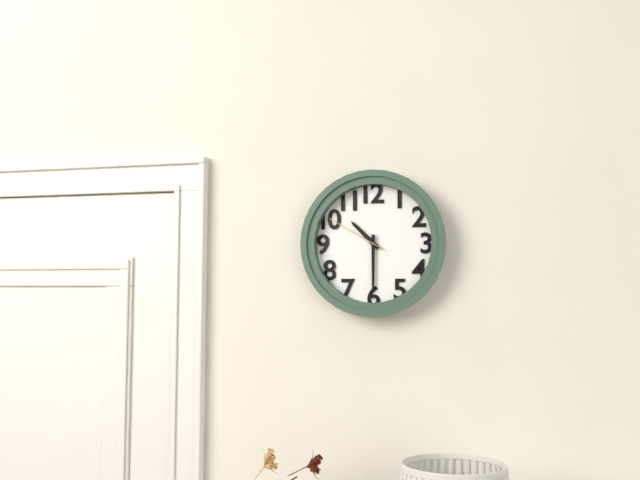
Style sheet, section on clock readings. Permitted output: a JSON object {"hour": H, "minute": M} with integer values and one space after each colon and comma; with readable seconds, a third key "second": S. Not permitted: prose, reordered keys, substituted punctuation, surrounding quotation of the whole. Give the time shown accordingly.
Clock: {"hour": 10, "minute": 30, "second": 50}
